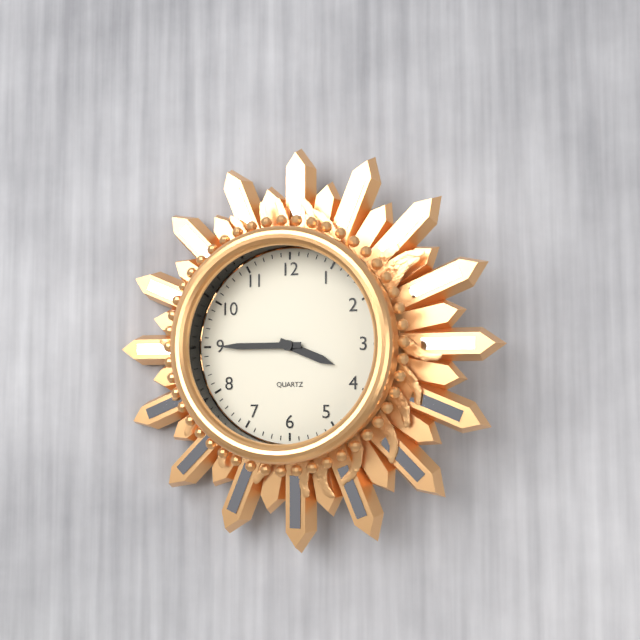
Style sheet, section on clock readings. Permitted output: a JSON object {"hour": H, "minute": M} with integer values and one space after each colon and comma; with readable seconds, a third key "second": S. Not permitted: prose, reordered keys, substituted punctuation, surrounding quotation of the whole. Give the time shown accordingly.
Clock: {"hour": 3, "minute": 45}
